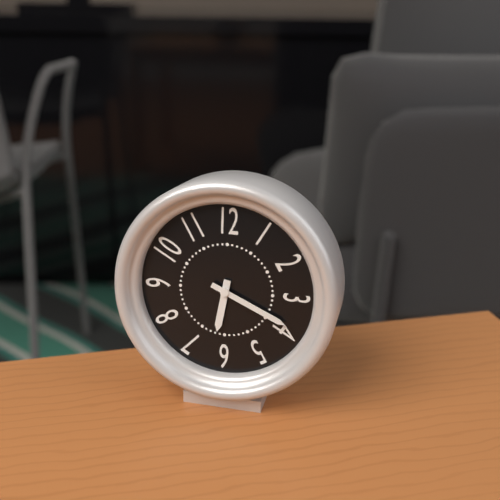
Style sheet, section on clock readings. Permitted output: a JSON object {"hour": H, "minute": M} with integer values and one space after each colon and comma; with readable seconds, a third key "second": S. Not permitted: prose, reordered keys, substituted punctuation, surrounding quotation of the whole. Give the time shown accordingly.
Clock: {"hour": 6, "minute": 19}
